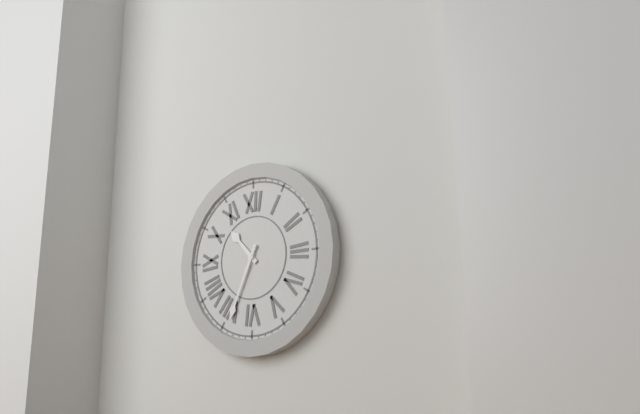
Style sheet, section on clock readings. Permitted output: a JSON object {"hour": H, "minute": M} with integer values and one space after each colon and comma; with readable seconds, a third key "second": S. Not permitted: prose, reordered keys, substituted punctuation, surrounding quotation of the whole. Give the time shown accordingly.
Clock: {"hour": 10, "minute": 34}
